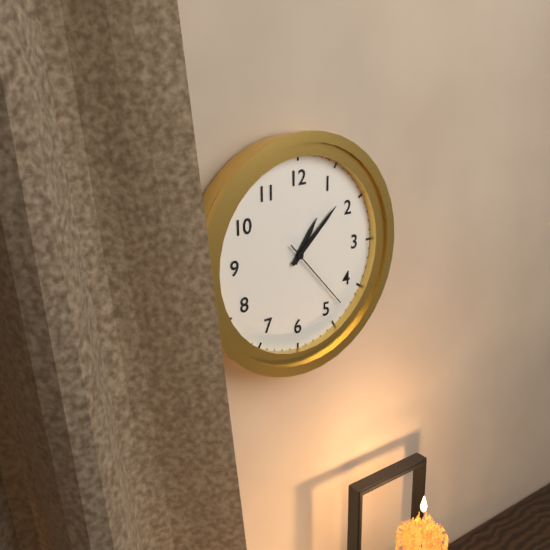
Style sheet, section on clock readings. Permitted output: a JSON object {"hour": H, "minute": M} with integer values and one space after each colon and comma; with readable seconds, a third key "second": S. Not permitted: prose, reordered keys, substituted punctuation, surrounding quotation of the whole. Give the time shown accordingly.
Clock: {"hour": 1, "minute": 8, "second": 23}
